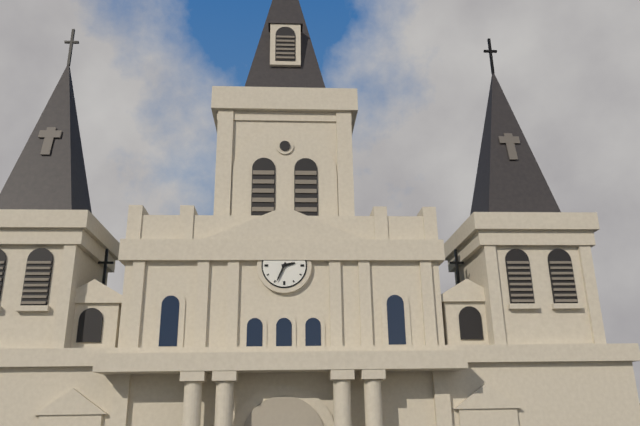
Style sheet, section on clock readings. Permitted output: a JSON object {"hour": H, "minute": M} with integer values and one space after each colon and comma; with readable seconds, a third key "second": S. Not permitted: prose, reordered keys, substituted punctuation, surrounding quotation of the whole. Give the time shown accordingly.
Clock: {"hour": 2, "minute": 34}
